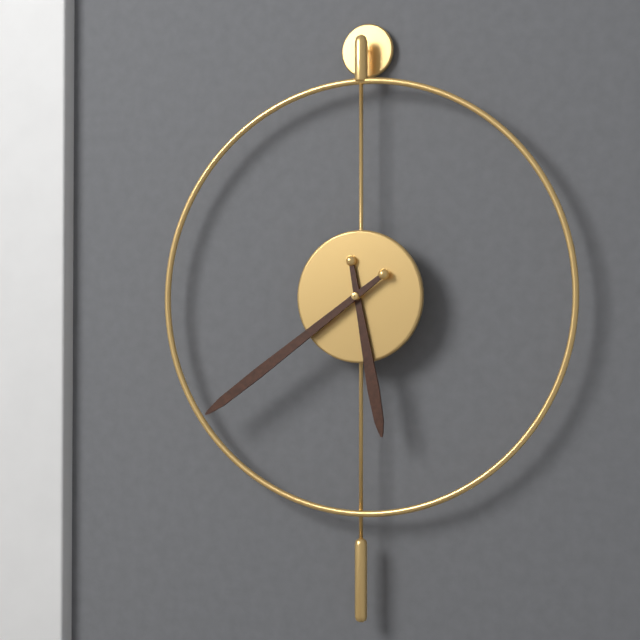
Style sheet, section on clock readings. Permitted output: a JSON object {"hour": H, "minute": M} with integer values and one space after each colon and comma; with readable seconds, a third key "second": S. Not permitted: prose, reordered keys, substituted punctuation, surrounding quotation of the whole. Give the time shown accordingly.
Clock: {"hour": 5, "minute": 39}
